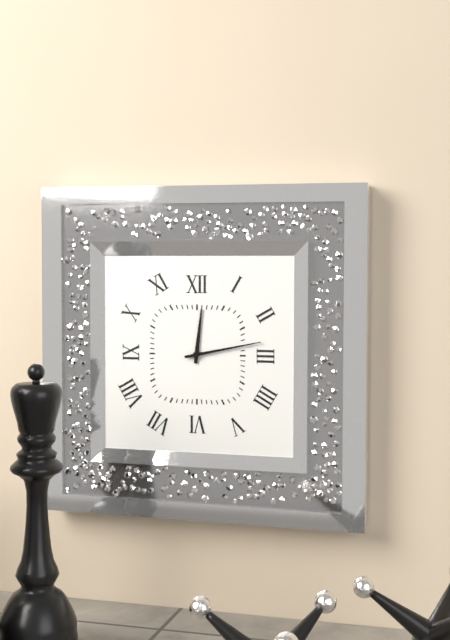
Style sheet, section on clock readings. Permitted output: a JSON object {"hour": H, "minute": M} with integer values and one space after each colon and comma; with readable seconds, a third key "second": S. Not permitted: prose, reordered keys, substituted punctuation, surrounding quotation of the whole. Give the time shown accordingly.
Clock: {"hour": 12, "minute": 13}
